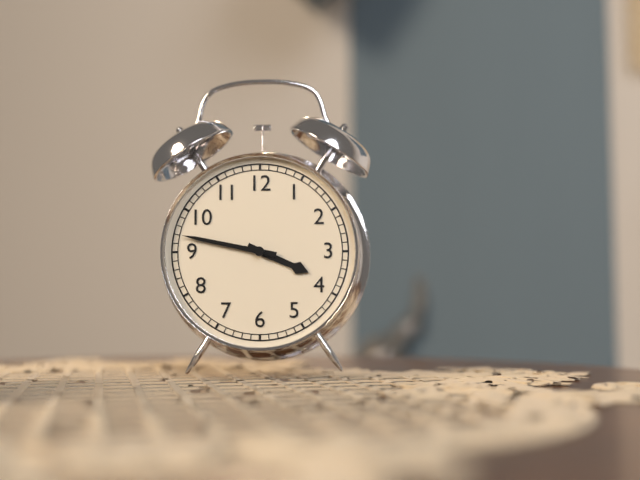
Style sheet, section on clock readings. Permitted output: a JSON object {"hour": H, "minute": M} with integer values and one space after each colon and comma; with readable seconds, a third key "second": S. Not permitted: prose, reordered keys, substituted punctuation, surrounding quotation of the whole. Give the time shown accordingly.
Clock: {"hour": 3, "minute": 47}
